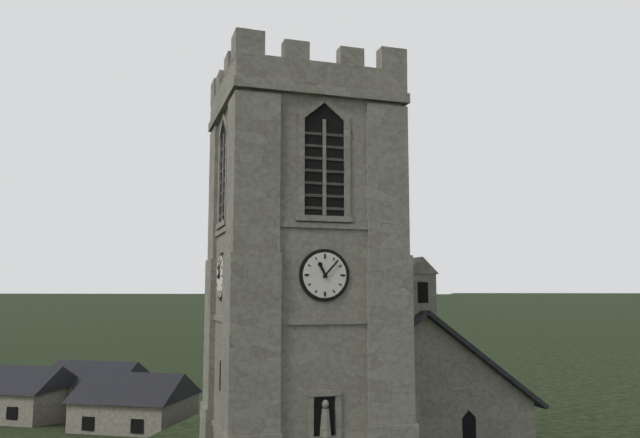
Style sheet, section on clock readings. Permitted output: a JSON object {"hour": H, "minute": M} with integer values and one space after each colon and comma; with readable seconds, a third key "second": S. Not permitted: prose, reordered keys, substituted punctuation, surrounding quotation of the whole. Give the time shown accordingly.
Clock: {"hour": 11, "minute": 7}
